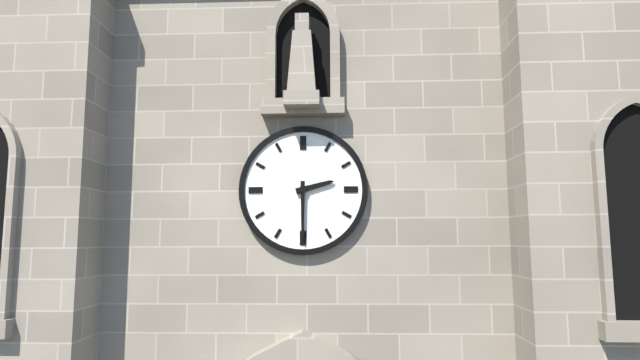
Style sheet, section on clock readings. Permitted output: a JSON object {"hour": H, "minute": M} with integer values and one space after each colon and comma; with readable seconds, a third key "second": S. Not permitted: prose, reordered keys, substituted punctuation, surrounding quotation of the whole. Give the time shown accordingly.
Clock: {"hour": 2, "minute": 30}
